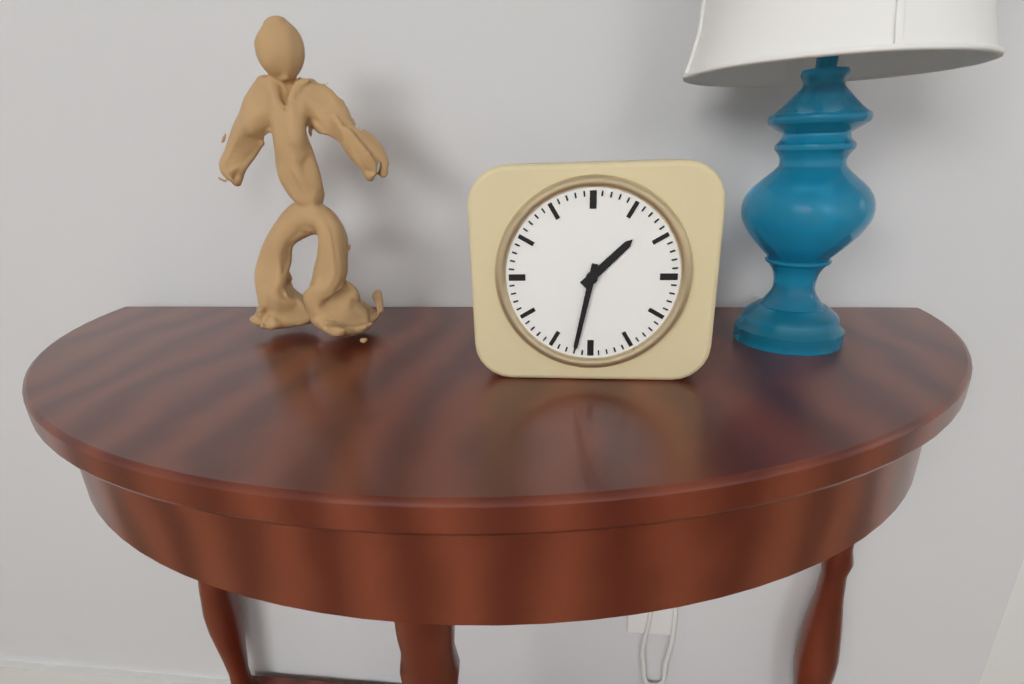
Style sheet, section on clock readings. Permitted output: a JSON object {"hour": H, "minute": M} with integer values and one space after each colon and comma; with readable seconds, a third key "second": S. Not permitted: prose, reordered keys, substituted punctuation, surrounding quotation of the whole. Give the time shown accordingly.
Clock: {"hour": 1, "minute": 32}
